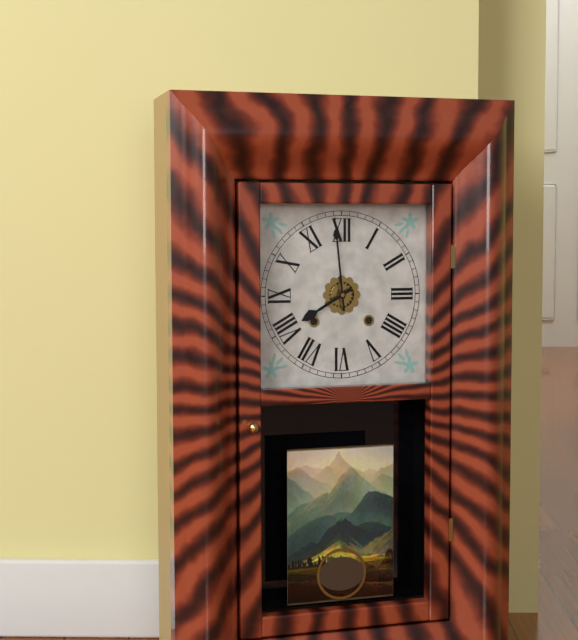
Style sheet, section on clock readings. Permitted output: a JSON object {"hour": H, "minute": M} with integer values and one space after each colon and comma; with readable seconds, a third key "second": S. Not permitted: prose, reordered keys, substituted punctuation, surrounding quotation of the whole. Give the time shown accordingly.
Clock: {"hour": 7, "minute": 59}
